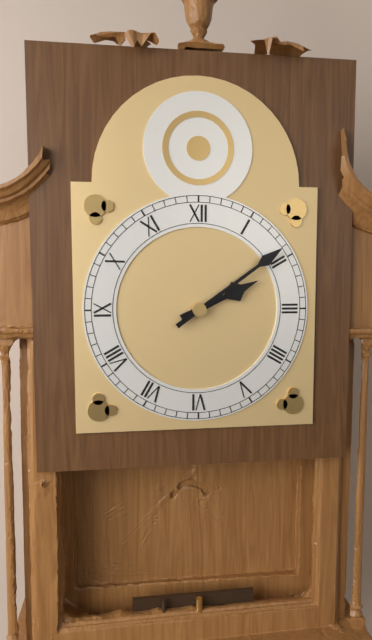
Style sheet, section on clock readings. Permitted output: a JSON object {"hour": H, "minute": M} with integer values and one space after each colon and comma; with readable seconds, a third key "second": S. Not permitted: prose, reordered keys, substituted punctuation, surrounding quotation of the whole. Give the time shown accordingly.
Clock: {"hour": 2, "minute": 9}
